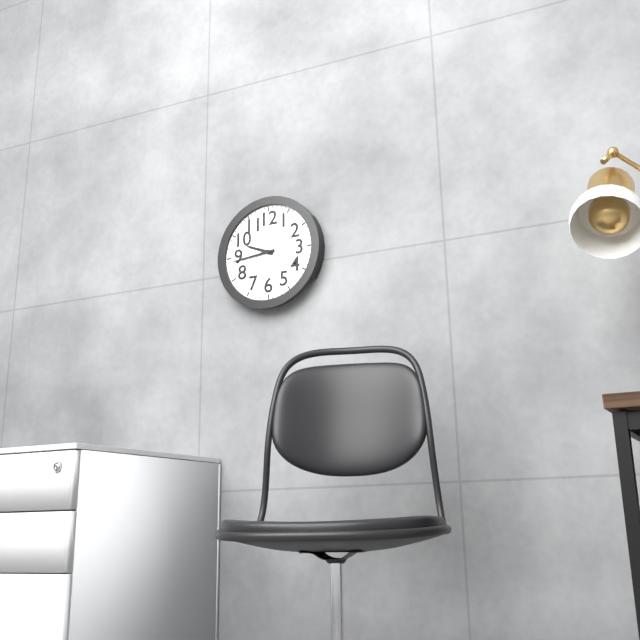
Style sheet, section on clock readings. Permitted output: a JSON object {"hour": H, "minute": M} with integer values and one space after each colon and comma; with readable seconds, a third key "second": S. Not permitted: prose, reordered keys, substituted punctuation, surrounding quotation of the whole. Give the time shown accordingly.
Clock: {"hour": 9, "minute": 44}
